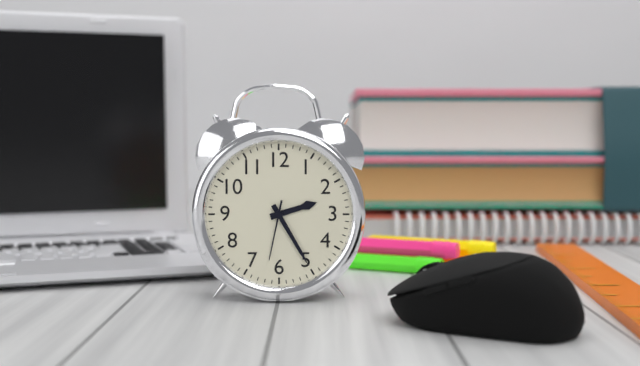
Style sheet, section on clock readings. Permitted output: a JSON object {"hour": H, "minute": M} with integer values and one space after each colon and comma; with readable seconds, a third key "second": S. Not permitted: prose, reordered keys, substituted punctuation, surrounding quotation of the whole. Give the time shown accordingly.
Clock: {"hour": 2, "minute": 25, "second": 32}
